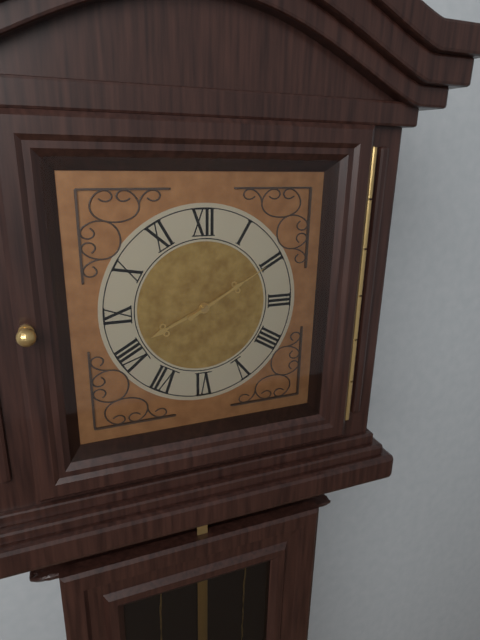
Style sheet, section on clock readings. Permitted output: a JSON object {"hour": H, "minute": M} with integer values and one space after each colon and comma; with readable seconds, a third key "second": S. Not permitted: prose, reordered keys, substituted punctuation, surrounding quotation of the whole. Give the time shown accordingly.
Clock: {"hour": 8, "minute": 10}
